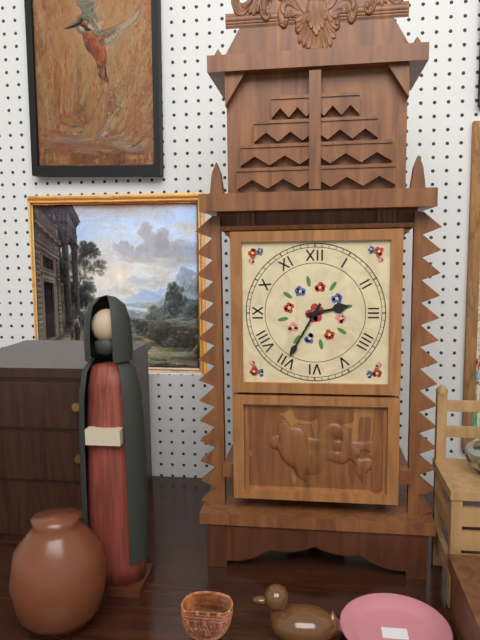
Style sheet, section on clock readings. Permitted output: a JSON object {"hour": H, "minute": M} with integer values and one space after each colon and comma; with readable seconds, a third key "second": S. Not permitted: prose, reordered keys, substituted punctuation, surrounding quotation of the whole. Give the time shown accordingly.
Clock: {"hour": 2, "minute": 35}
